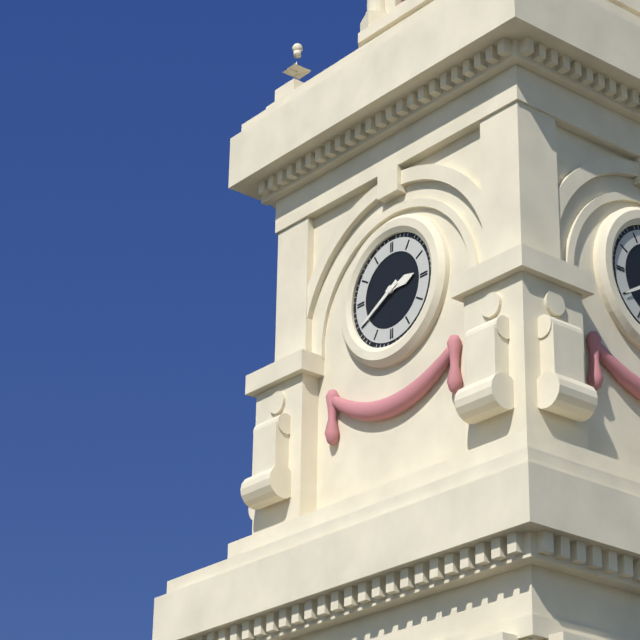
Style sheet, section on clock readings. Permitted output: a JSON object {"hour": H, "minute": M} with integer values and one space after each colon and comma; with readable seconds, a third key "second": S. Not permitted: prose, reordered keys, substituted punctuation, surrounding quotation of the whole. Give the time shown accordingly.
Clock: {"hour": 2, "minute": 40}
